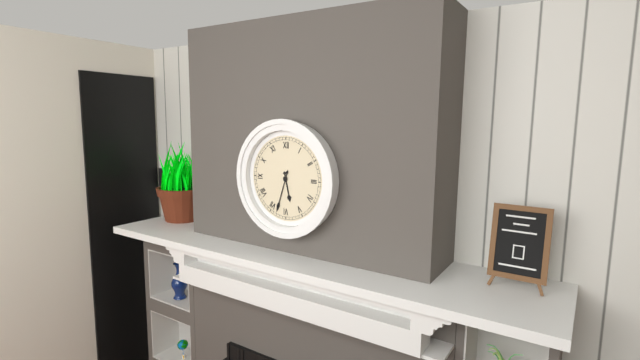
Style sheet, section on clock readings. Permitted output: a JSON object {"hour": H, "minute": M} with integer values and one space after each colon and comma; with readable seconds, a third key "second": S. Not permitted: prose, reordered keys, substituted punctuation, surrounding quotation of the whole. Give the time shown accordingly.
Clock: {"hour": 5, "minute": 33}
